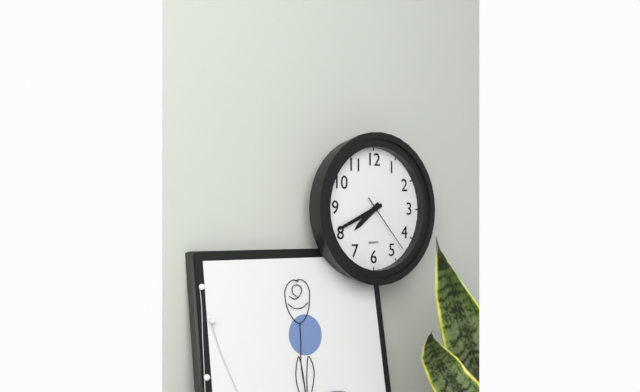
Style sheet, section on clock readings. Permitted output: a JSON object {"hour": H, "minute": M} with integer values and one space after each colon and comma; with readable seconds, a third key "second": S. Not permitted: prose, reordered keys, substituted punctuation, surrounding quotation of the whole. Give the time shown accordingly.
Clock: {"hour": 7, "minute": 41, "second": 23}
